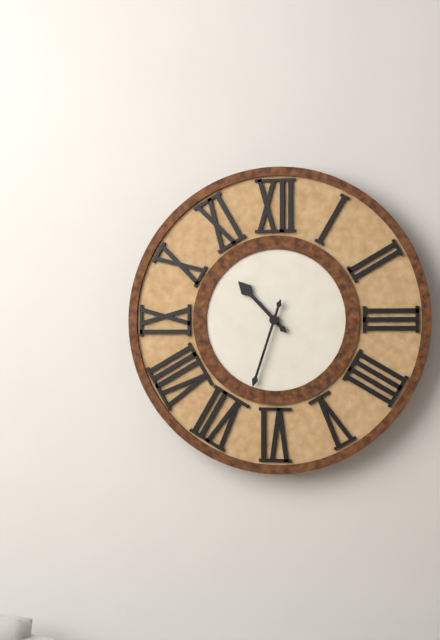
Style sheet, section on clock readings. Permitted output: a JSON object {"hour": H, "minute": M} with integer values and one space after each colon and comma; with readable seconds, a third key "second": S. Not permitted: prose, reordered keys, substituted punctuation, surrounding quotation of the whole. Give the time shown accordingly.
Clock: {"hour": 10, "minute": 33}
